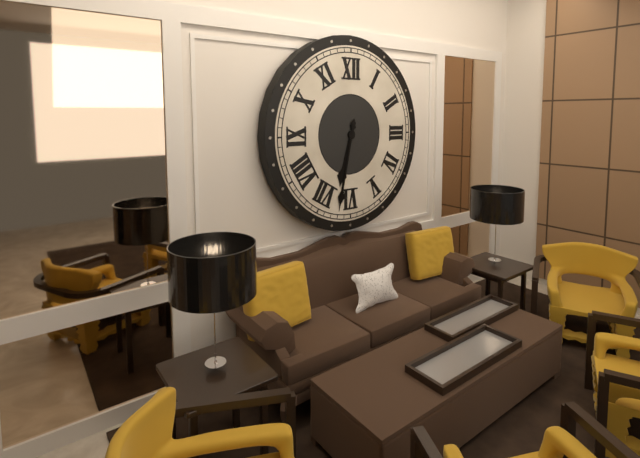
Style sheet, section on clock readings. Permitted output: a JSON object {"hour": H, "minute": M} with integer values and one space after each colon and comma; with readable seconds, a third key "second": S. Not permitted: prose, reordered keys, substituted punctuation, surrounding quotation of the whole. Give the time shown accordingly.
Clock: {"hour": 6, "minute": 32}
